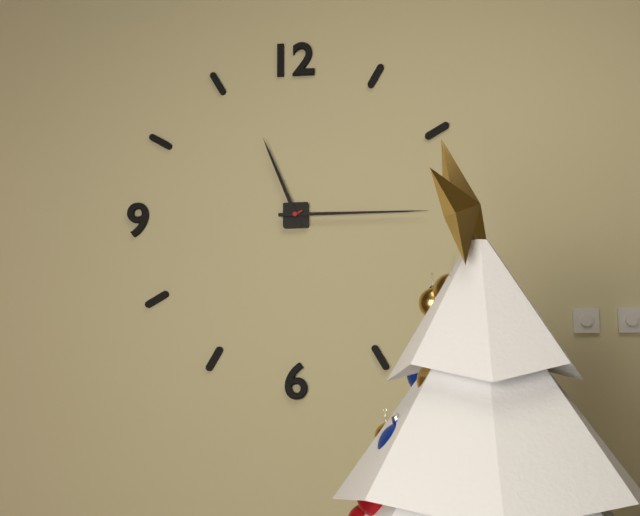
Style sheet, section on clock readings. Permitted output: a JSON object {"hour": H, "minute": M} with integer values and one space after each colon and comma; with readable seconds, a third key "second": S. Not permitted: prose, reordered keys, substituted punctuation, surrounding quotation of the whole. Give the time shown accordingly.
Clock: {"hour": 11, "minute": 15}
